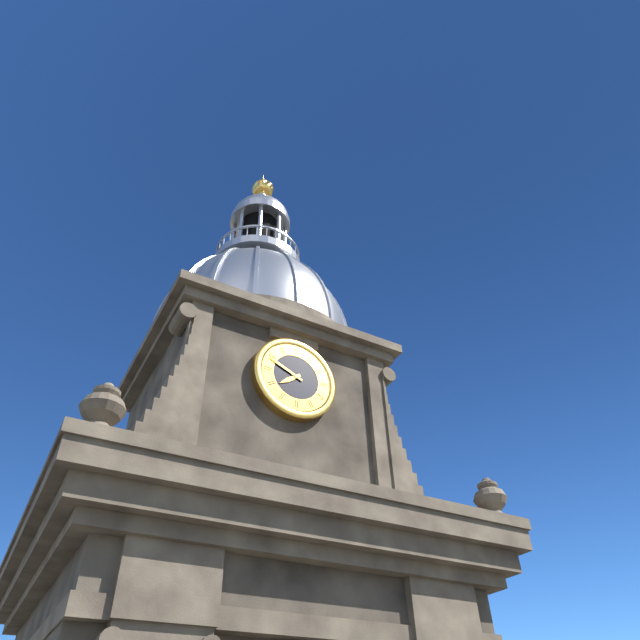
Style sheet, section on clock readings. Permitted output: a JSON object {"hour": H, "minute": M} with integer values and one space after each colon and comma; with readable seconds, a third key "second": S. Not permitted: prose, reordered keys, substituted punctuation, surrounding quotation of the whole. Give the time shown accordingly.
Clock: {"hour": 7, "minute": 49}
